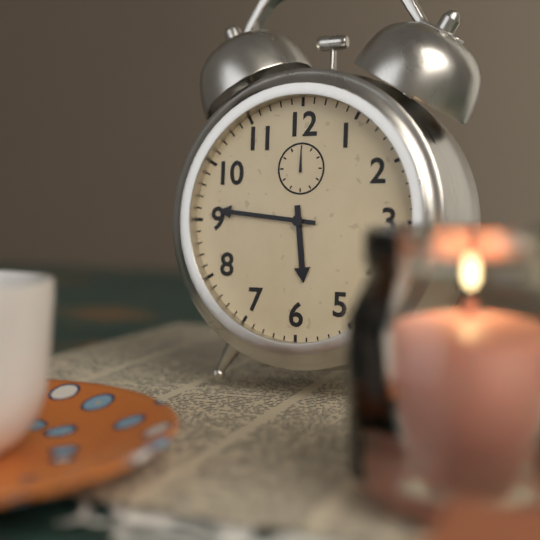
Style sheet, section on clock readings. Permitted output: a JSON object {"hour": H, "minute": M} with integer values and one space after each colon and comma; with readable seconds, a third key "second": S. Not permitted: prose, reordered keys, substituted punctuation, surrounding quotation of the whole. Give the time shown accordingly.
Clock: {"hour": 5, "minute": 46}
